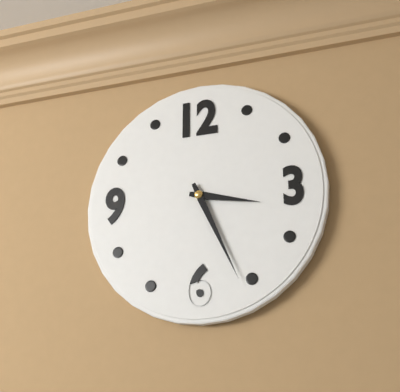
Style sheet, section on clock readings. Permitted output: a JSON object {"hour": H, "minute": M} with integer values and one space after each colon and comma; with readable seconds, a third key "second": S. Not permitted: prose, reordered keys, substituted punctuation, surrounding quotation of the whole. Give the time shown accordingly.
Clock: {"hour": 3, "minute": 26}
